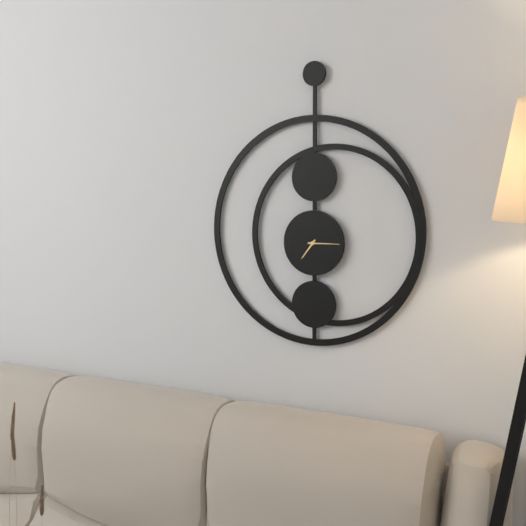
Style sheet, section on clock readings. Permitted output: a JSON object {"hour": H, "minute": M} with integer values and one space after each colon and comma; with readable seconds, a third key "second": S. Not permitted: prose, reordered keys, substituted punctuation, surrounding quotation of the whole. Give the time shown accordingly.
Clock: {"hour": 7, "minute": 15}
